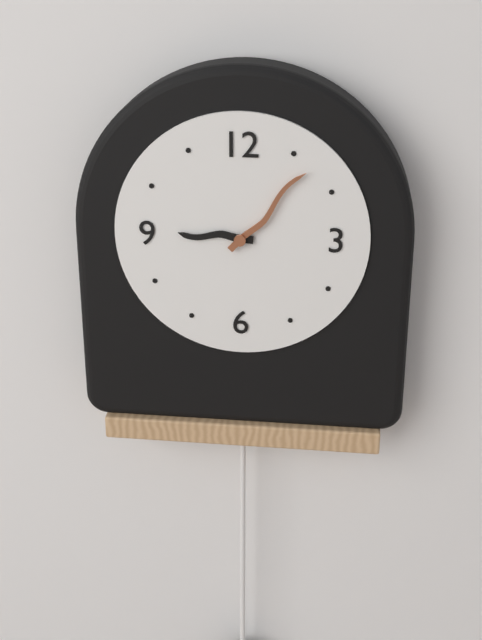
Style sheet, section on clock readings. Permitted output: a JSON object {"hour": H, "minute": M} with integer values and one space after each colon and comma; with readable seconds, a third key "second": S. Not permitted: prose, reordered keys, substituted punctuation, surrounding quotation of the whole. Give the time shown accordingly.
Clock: {"hour": 9, "minute": 7}
